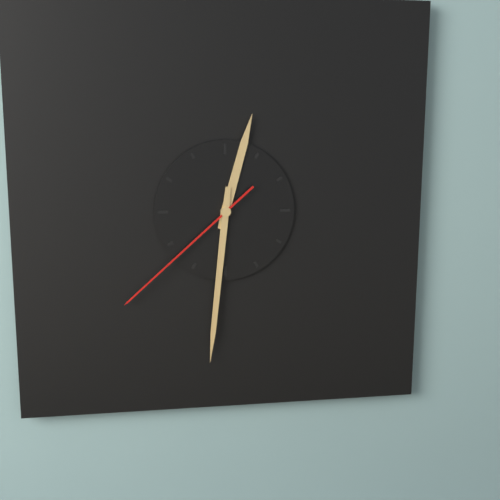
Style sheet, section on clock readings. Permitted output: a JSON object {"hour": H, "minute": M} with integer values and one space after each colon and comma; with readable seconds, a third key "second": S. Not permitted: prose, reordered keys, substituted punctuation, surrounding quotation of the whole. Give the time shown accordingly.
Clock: {"hour": 12, "minute": 31, "second": 38}
